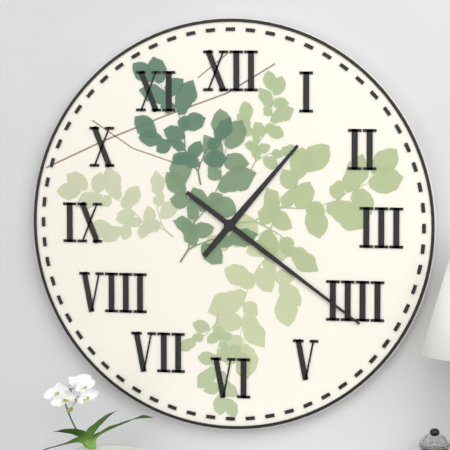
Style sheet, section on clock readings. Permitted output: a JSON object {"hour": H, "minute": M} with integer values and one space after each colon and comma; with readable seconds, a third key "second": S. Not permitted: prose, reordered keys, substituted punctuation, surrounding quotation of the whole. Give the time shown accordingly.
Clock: {"hour": 1, "minute": 21}
